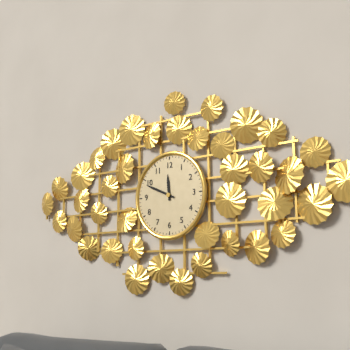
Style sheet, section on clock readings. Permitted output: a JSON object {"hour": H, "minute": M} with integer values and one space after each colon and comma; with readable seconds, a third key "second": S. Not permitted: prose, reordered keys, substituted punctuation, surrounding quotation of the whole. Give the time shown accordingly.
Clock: {"hour": 11, "minute": 49}
